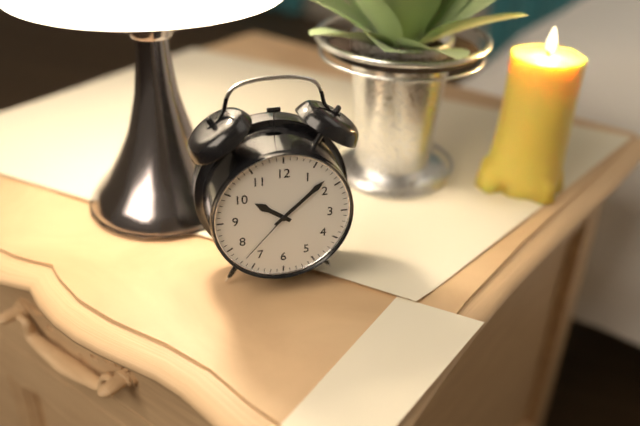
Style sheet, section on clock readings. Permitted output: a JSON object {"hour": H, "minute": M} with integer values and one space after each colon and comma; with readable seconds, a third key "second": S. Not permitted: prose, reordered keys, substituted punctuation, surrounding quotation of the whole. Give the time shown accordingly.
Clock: {"hour": 10, "minute": 8, "second": 37}
